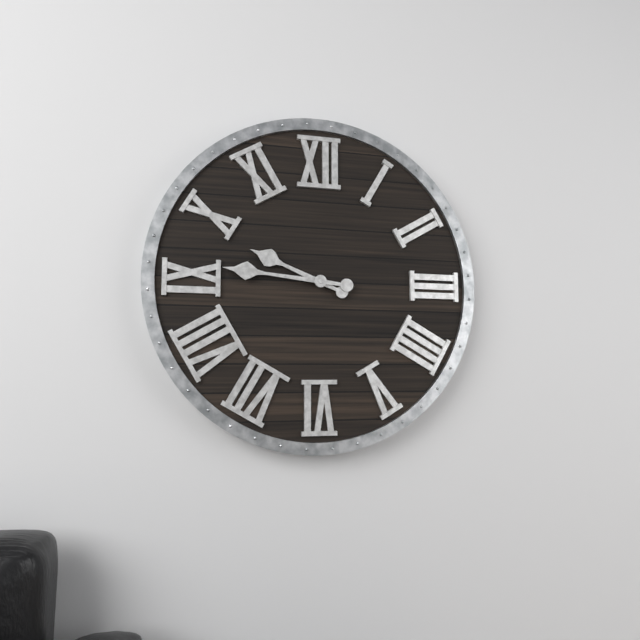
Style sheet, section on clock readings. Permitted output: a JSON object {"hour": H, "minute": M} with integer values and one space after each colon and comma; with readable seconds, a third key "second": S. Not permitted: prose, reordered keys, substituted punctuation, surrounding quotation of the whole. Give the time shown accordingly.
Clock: {"hour": 9, "minute": 46}
